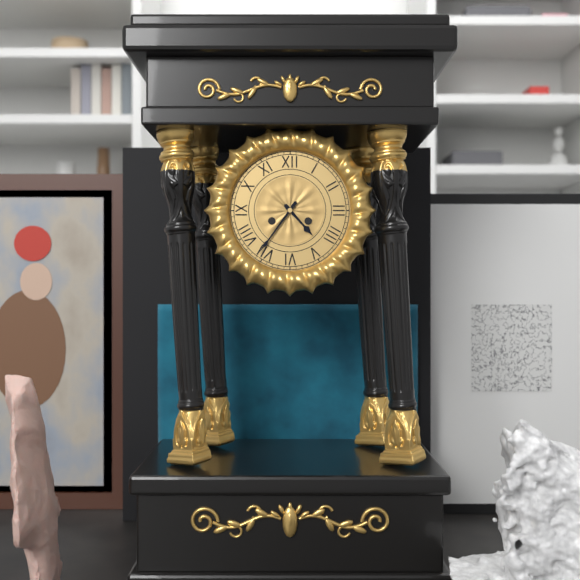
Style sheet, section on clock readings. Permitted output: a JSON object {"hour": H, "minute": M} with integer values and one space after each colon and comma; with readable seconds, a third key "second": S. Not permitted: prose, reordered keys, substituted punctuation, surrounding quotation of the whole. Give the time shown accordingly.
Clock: {"hour": 4, "minute": 36}
